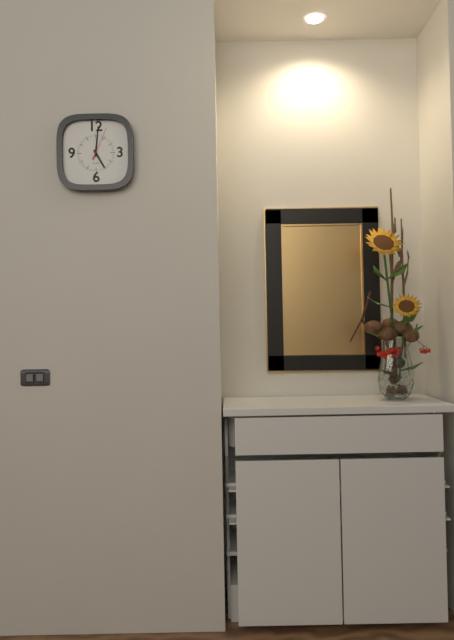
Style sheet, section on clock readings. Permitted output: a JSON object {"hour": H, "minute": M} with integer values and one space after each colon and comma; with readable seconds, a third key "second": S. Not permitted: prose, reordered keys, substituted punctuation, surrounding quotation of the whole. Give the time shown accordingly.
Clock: {"hour": 5, "minute": 1}
